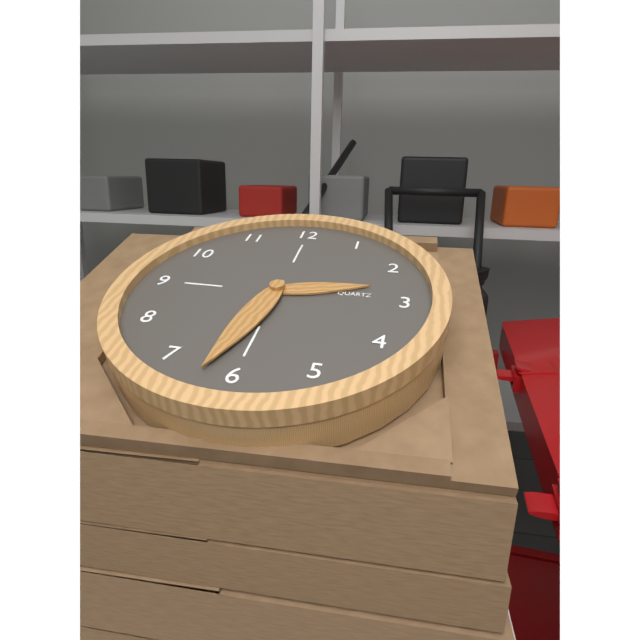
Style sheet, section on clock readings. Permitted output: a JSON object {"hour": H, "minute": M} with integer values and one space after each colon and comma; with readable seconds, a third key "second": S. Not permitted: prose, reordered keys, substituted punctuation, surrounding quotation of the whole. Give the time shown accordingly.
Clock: {"hour": 2, "minute": 32}
